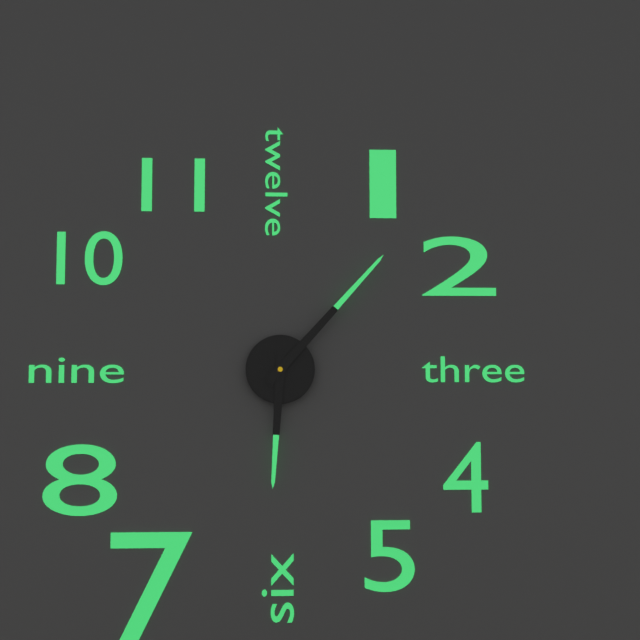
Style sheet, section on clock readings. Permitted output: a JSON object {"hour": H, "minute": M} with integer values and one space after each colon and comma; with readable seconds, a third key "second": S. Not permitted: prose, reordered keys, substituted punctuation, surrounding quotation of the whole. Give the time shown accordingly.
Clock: {"hour": 6, "minute": 7}
